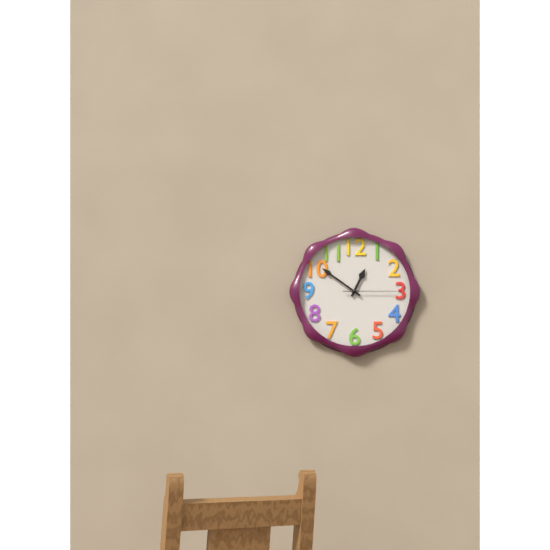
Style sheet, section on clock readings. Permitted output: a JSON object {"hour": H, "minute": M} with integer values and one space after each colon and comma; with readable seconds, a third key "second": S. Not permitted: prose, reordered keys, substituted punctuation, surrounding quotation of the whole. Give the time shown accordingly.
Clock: {"hour": 12, "minute": 51, "second": 15}
